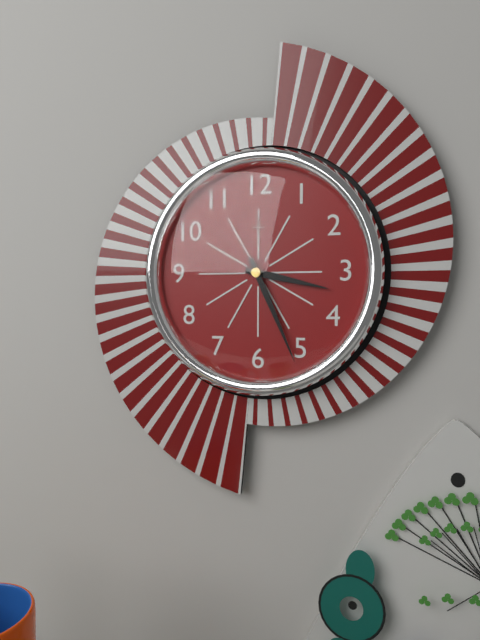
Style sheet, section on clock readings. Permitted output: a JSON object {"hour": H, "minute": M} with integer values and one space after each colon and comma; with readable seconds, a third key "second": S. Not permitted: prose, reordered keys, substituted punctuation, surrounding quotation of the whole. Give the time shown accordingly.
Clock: {"hour": 3, "minute": 26}
